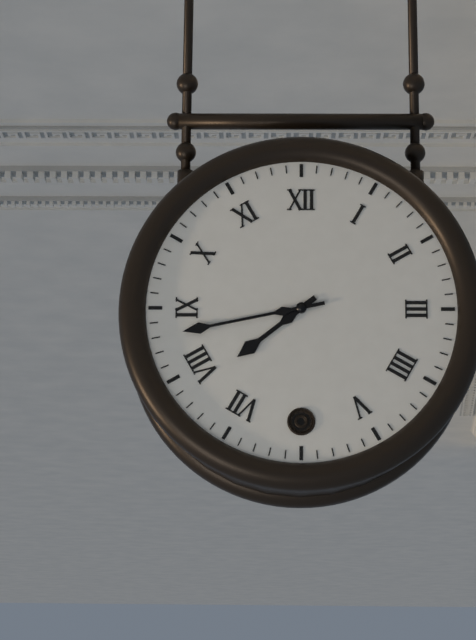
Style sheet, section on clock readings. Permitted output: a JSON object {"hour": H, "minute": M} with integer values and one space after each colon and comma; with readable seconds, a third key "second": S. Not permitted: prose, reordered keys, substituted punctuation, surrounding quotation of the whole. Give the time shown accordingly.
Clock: {"hour": 7, "minute": 43}
